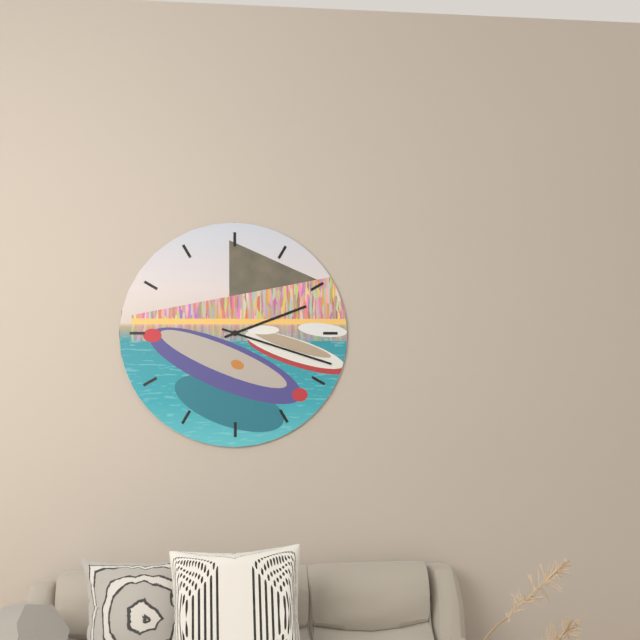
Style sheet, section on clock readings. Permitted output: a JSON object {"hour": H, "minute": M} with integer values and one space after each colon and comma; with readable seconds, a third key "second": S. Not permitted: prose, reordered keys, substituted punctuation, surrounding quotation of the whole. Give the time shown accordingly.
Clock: {"hour": 2, "minute": 18}
